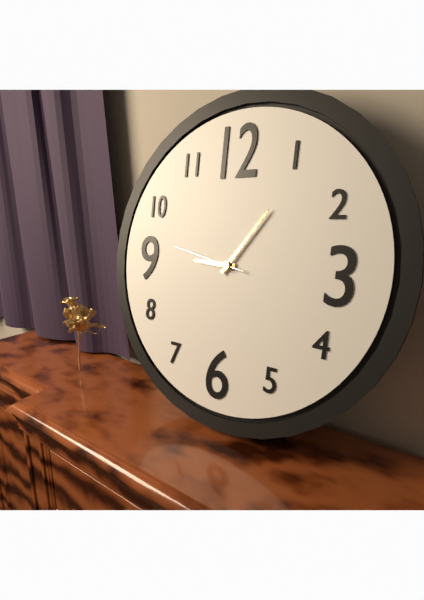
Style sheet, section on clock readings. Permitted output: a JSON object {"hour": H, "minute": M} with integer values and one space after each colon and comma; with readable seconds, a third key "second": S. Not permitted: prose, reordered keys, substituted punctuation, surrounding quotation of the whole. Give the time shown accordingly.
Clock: {"hour": 9, "minute": 6, "second": 47}
